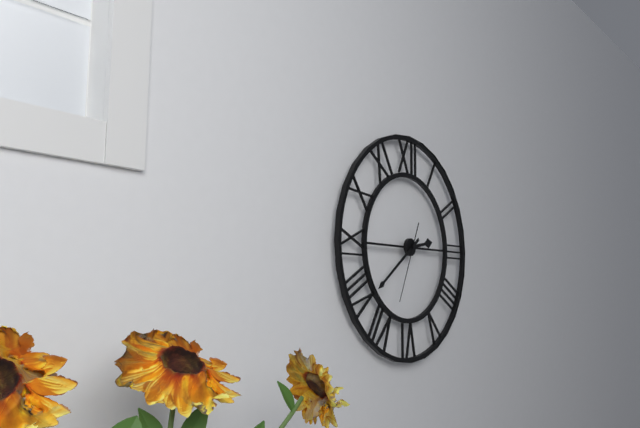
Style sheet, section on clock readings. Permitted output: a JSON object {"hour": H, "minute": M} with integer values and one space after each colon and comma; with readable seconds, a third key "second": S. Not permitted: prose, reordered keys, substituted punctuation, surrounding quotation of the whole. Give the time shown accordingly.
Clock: {"hour": 2, "minute": 39, "second": 34}
